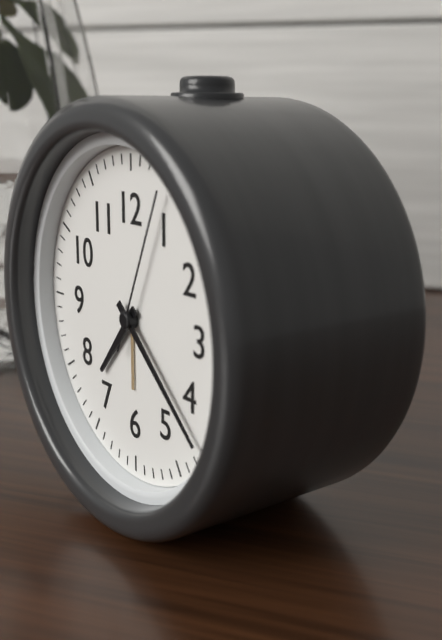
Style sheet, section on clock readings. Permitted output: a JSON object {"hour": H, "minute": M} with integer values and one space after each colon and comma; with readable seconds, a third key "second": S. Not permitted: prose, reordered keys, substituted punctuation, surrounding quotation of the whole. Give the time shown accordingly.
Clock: {"hour": 7, "minute": 22, "second": 4}
